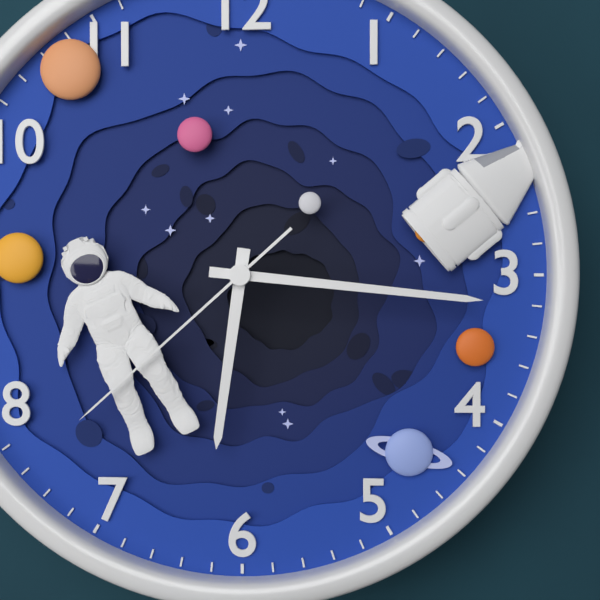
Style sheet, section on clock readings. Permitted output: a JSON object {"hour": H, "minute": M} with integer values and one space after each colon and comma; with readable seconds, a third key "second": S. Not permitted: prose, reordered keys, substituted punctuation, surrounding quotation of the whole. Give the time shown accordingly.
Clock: {"hour": 6, "minute": 16, "second": 38}
